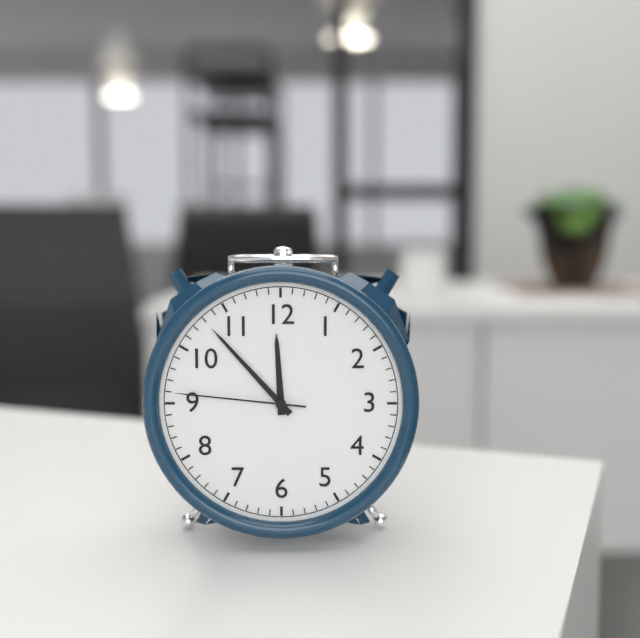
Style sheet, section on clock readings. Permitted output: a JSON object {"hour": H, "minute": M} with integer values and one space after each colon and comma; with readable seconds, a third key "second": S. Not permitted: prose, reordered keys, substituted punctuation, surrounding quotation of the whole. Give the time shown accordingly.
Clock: {"hour": 11, "minute": 53, "second": 46}
